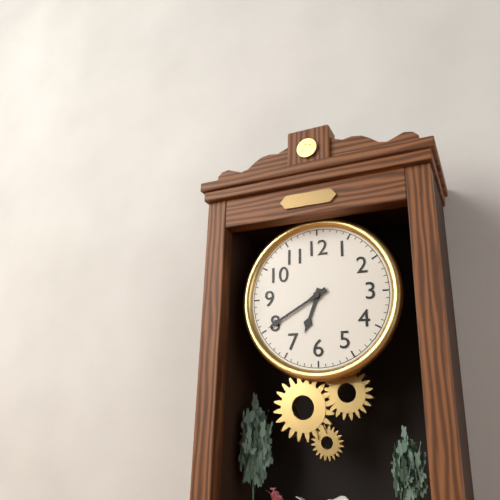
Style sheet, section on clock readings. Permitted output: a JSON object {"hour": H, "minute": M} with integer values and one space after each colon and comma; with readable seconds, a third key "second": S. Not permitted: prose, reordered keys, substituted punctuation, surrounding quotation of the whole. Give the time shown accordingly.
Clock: {"hour": 6, "minute": 40}
